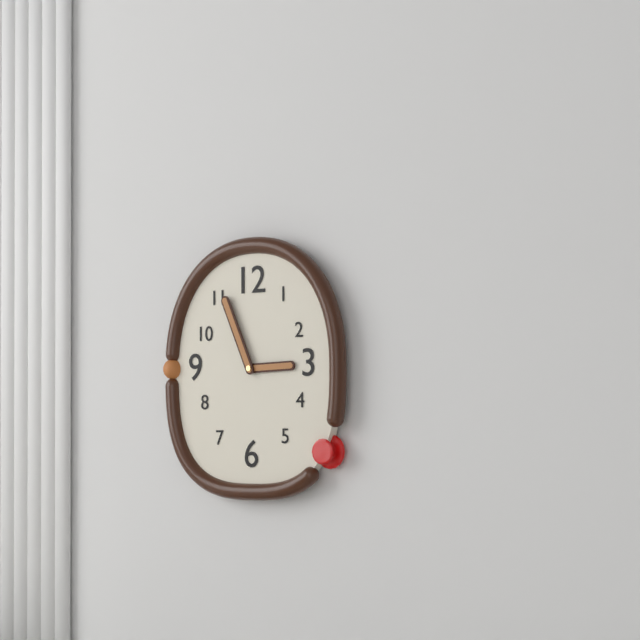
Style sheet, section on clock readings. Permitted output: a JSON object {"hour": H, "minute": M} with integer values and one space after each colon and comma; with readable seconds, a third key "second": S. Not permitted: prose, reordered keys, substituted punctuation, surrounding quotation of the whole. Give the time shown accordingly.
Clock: {"hour": 2, "minute": 56}
